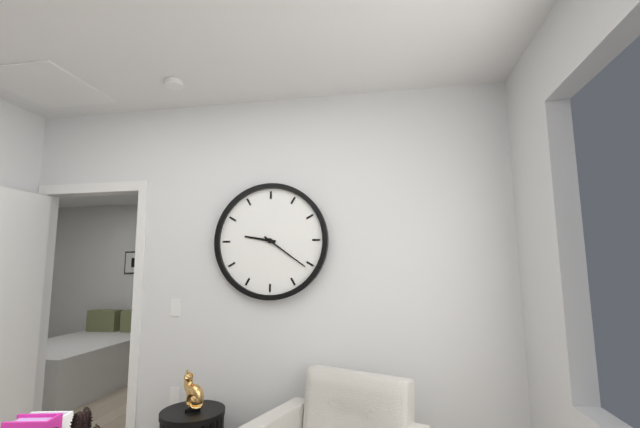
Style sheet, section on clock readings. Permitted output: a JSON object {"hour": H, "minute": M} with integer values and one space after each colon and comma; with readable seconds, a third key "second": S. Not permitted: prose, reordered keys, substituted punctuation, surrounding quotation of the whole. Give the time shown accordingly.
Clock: {"hour": 9, "minute": 21}
